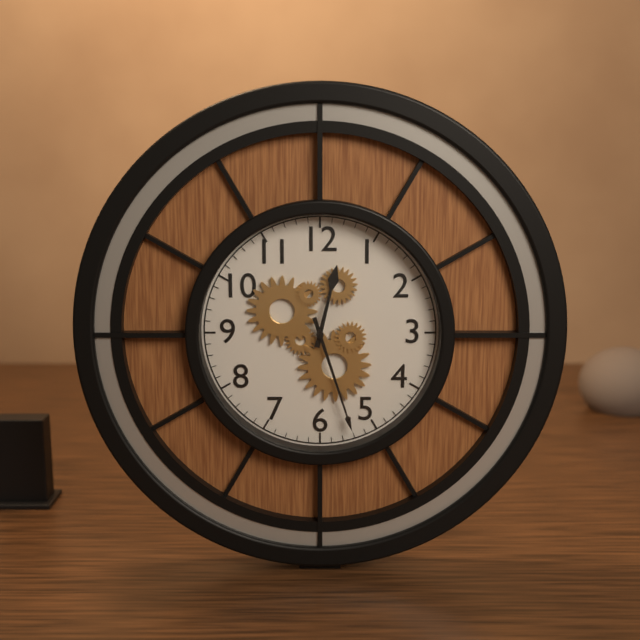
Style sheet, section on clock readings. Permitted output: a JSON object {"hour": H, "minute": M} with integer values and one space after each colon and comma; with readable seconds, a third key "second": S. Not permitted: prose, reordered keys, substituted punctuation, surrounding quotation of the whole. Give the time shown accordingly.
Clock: {"hour": 12, "minute": 27}
